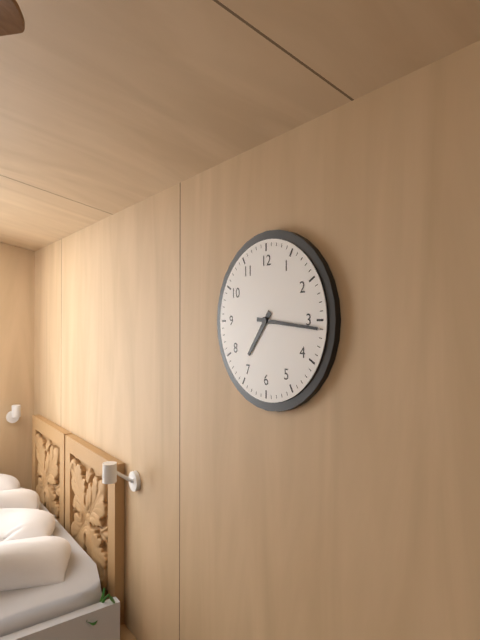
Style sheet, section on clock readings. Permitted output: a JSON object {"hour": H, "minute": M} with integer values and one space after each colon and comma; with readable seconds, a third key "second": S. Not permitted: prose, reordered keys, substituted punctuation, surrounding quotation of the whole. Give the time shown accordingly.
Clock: {"hour": 7, "minute": 16}
